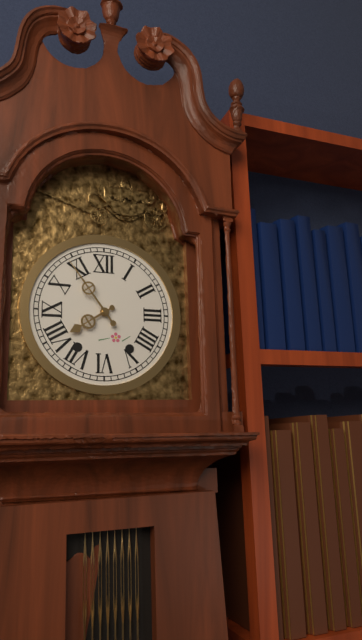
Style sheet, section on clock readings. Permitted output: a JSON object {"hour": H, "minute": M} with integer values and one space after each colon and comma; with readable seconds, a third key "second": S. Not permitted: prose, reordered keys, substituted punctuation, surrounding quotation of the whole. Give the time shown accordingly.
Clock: {"hour": 7, "minute": 54}
